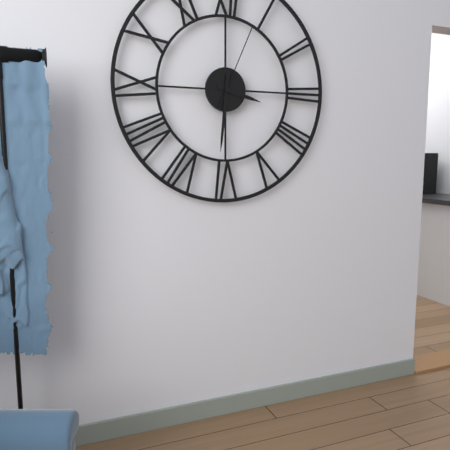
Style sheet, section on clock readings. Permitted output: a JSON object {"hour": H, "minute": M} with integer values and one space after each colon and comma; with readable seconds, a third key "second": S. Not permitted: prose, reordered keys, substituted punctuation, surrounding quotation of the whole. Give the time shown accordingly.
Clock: {"hour": 3, "minute": 31, "second": 4}
